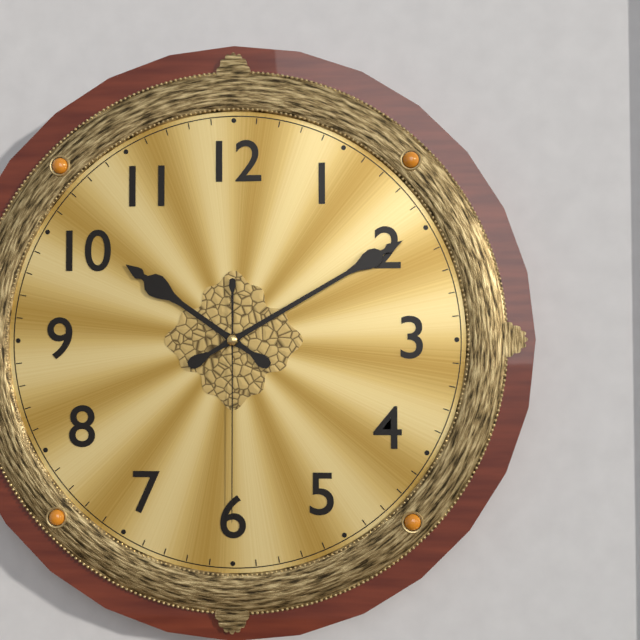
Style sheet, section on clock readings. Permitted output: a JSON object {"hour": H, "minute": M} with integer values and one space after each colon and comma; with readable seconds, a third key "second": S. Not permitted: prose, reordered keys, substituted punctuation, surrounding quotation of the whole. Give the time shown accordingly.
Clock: {"hour": 10, "minute": 10, "second": 30}
